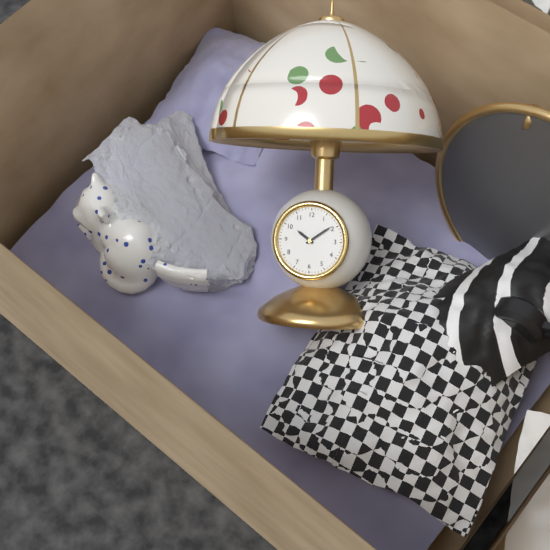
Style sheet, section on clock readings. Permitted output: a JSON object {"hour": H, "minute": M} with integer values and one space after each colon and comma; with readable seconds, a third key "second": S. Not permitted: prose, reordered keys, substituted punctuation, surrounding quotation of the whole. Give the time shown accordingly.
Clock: {"hour": 10, "minute": 9}
